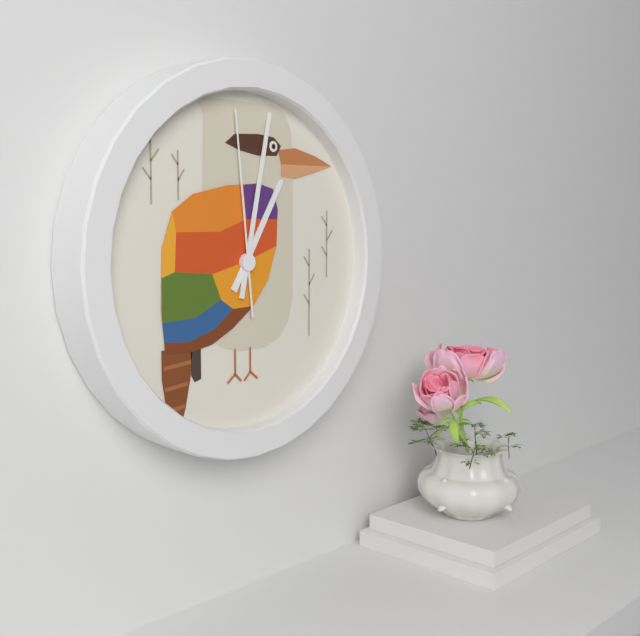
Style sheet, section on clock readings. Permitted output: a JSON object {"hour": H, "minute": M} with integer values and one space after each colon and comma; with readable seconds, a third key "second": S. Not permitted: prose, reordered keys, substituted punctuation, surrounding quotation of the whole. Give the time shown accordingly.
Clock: {"hour": 1, "minute": 2, "second": 59}
